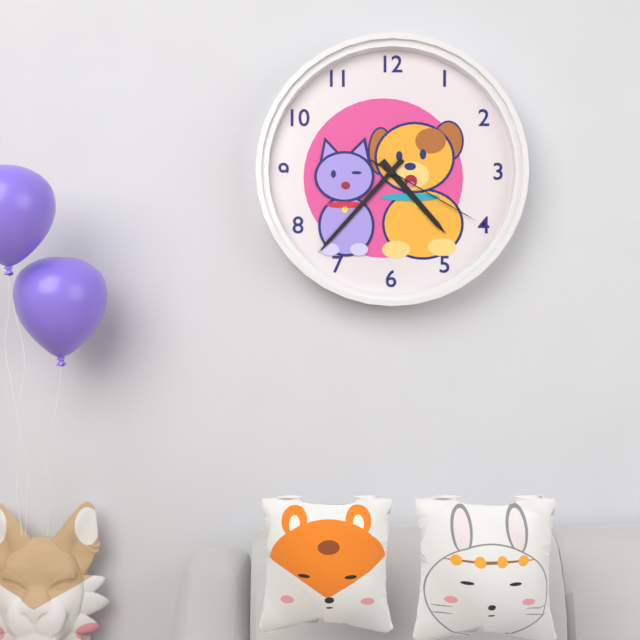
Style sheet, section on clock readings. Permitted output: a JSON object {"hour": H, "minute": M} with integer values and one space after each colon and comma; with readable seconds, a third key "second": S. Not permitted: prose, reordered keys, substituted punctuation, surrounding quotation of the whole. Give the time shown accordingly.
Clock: {"hour": 4, "minute": 37, "second": 20}
